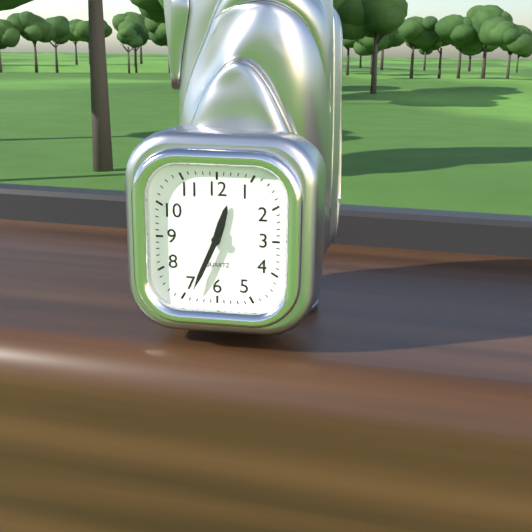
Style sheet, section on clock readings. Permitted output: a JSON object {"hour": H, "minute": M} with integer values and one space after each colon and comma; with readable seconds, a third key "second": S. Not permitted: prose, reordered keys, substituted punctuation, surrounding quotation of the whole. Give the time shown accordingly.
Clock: {"hour": 12, "minute": 34}
